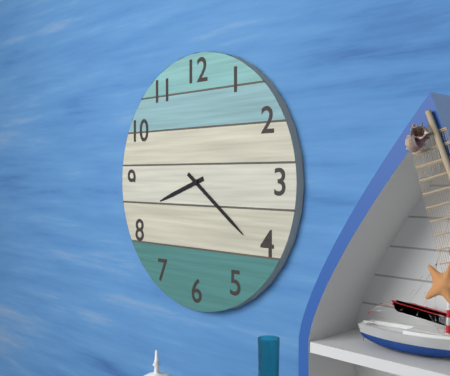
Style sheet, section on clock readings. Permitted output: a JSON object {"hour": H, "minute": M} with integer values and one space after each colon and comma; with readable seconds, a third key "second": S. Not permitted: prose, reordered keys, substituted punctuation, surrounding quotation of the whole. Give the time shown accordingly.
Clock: {"hour": 8, "minute": 21}
